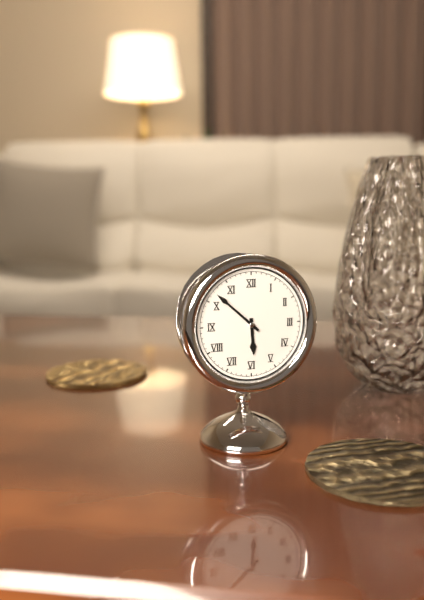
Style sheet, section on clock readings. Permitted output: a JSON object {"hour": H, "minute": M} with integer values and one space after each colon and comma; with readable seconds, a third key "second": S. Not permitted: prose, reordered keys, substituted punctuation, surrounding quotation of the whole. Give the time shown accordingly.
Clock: {"hour": 5, "minute": 52}
